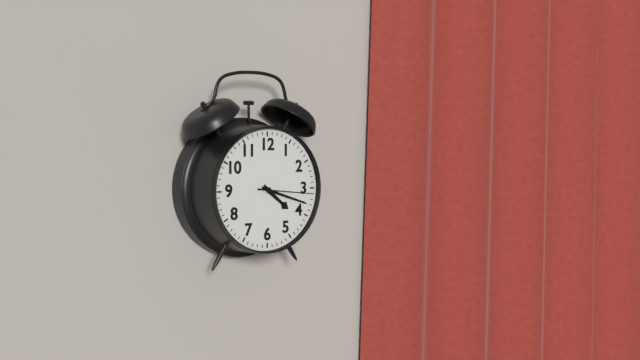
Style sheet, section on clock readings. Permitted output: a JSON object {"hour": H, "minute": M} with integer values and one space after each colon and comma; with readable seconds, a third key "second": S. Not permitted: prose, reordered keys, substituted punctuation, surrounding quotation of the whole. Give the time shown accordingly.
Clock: {"hour": 4, "minute": 18, "second": 16}
